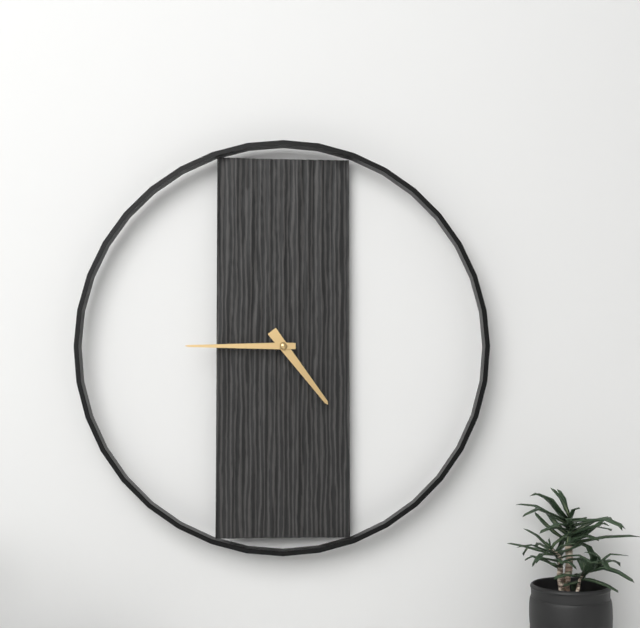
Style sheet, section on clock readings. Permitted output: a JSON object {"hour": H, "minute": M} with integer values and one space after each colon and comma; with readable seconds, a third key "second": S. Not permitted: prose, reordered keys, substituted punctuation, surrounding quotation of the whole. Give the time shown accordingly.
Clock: {"hour": 4, "minute": 45}
